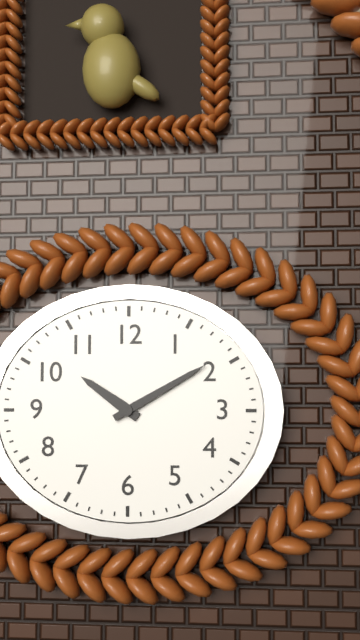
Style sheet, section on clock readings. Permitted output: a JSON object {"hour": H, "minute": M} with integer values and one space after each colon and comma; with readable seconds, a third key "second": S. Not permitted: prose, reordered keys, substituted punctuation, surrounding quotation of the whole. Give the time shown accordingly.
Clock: {"hour": 10, "minute": 10}
